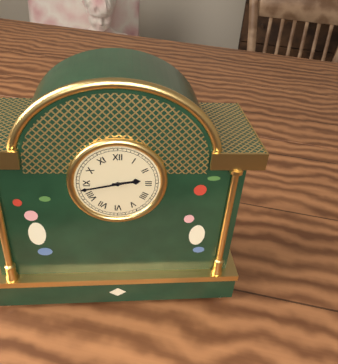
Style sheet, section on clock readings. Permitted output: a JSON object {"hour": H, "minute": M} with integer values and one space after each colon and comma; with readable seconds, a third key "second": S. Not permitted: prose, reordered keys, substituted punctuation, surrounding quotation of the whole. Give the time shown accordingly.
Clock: {"hour": 2, "minute": 43}
